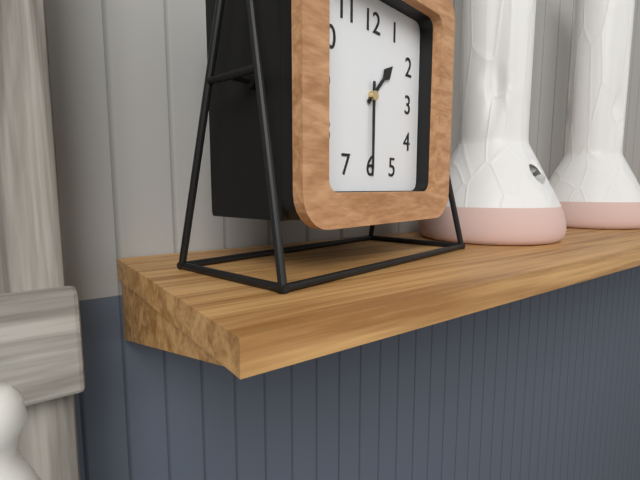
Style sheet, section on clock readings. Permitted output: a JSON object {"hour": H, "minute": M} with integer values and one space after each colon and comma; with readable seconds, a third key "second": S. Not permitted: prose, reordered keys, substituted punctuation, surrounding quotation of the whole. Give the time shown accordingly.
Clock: {"hour": 1, "minute": 30}
